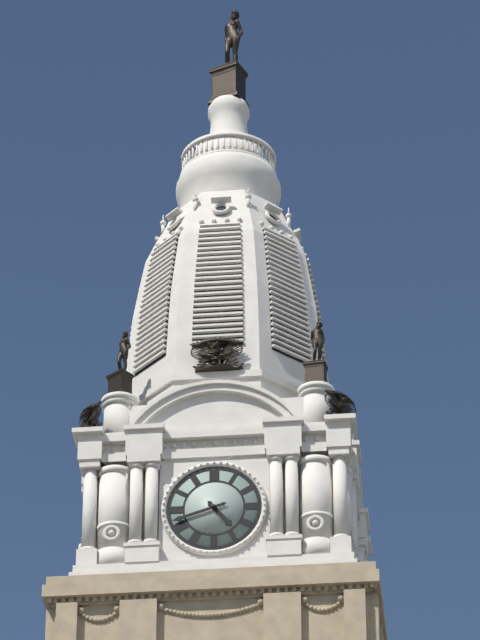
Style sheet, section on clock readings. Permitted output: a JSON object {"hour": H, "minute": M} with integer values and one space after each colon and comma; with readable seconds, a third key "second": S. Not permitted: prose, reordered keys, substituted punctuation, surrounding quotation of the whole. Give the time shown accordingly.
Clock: {"hour": 4, "minute": 42}
